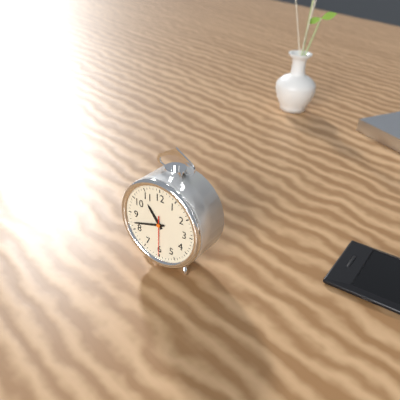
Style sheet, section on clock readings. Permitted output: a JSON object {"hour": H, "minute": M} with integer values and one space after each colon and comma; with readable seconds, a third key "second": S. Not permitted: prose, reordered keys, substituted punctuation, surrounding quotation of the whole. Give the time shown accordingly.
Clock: {"hour": 10, "minute": 42}
